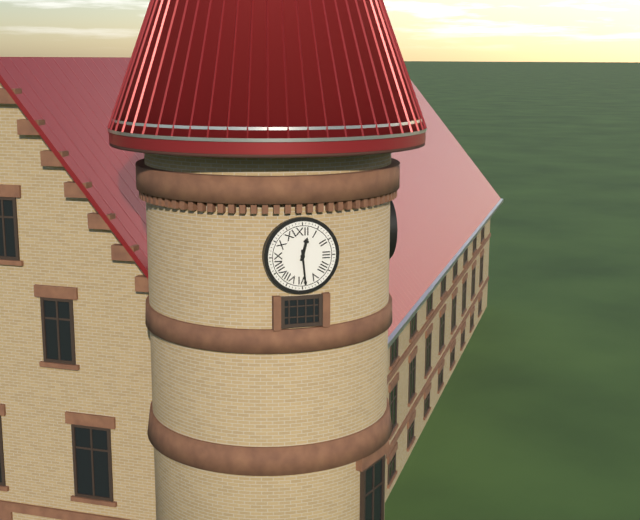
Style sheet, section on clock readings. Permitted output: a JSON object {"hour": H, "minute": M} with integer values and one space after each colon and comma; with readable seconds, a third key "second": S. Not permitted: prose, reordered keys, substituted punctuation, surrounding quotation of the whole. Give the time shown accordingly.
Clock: {"hour": 12, "minute": 29}
